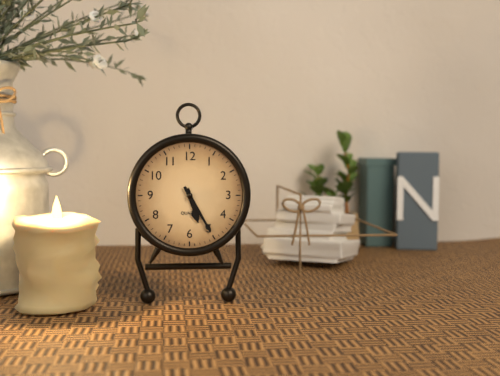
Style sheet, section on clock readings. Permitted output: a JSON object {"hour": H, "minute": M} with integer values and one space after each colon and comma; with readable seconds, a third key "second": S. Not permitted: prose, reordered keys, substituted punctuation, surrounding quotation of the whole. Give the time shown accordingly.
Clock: {"hour": 5, "minute": 25}
